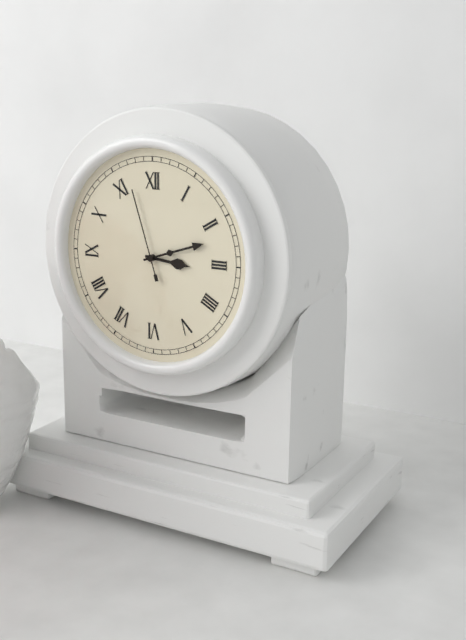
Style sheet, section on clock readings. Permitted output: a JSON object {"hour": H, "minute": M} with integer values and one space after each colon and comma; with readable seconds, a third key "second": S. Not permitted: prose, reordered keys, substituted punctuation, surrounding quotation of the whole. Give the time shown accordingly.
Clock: {"hour": 3, "minute": 12, "second": 57}
